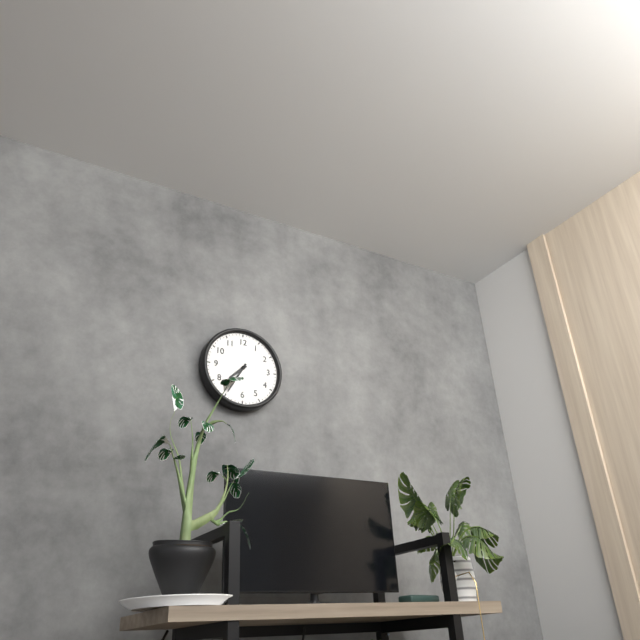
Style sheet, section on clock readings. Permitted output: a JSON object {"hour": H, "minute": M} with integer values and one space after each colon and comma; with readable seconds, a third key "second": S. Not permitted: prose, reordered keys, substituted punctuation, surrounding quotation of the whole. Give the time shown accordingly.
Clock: {"hour": 7, "minute": 35}
